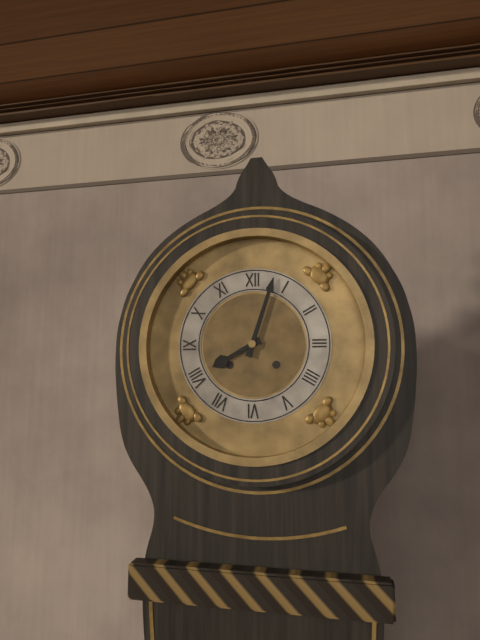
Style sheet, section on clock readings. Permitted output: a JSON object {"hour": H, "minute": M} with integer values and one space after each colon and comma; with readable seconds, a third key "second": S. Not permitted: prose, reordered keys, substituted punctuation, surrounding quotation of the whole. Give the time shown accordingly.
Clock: {"hour": 8, "minute": 3}
